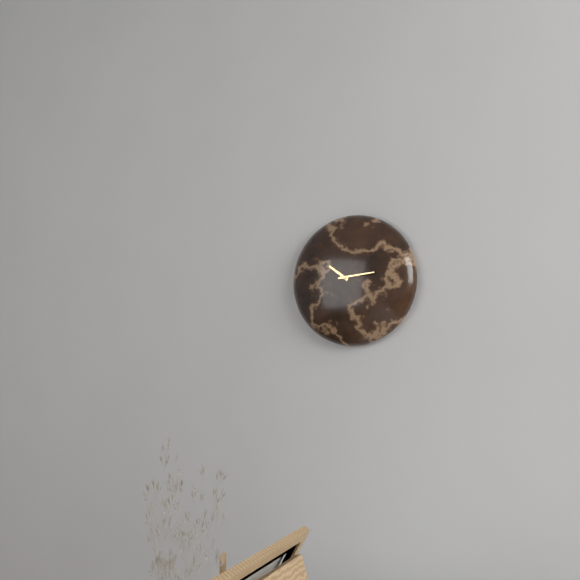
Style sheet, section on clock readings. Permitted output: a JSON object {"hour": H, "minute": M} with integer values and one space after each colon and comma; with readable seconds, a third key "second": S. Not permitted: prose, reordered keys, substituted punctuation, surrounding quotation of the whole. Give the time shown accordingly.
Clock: {"hour": 10, "minute": 14}
